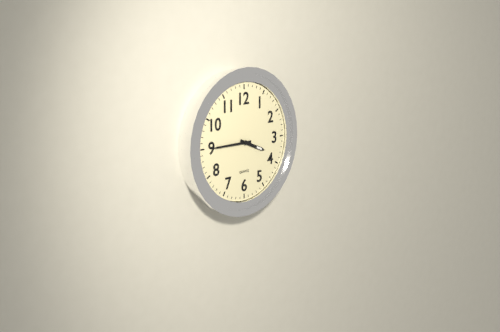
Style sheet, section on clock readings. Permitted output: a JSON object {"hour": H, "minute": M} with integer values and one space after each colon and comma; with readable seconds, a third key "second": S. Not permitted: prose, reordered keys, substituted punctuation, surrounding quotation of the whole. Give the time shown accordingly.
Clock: {"hour": 3, "minute": 45}
